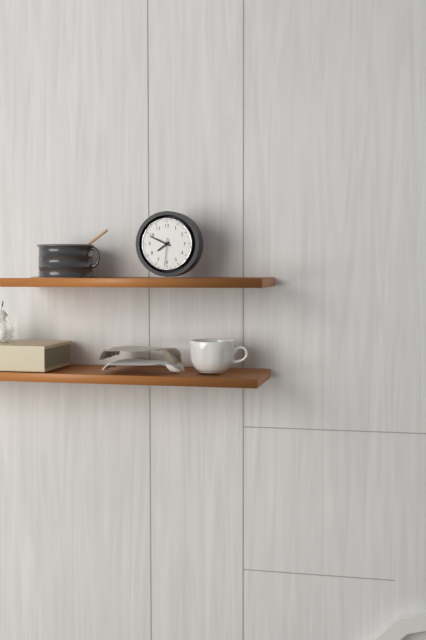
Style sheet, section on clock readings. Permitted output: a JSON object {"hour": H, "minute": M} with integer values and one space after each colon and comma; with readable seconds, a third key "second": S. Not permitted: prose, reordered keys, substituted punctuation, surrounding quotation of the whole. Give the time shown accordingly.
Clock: {"hour": 7, "minute": 49}
